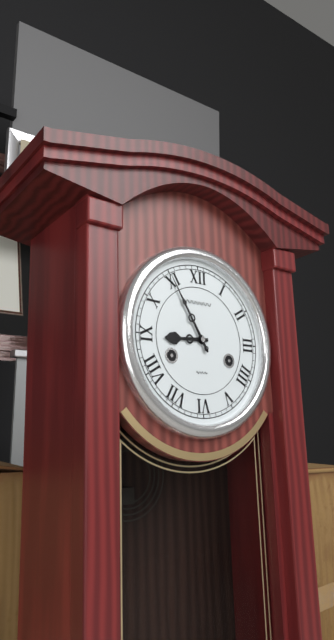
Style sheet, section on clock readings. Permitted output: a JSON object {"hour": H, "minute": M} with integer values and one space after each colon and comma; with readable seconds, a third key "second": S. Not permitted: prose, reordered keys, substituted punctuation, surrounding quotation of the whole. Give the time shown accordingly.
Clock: {"hour": 8, "minute": 55}
